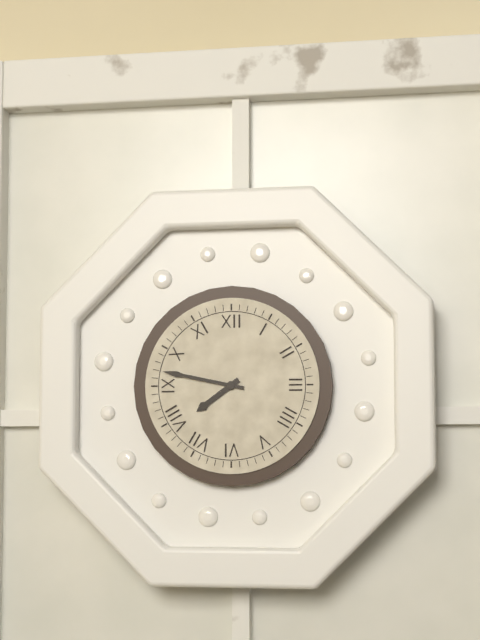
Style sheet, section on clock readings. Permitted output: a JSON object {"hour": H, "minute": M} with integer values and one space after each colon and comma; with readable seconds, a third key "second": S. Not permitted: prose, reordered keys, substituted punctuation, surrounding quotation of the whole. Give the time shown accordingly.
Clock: {"hour": 7, "minute": 47}
